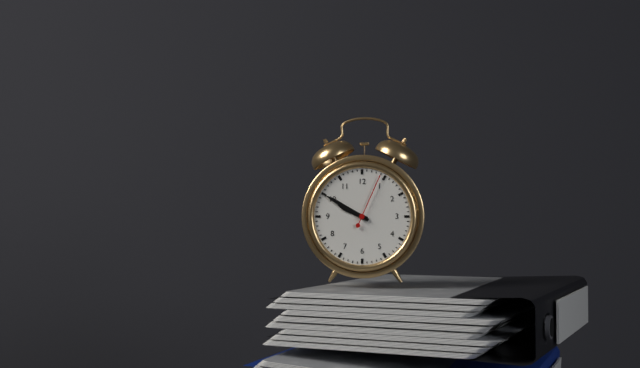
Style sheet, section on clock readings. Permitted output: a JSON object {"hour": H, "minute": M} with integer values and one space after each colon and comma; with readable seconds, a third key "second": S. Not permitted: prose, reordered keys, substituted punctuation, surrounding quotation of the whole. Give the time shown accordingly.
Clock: {"hour": 9, "minute": 50, "second": 4}
